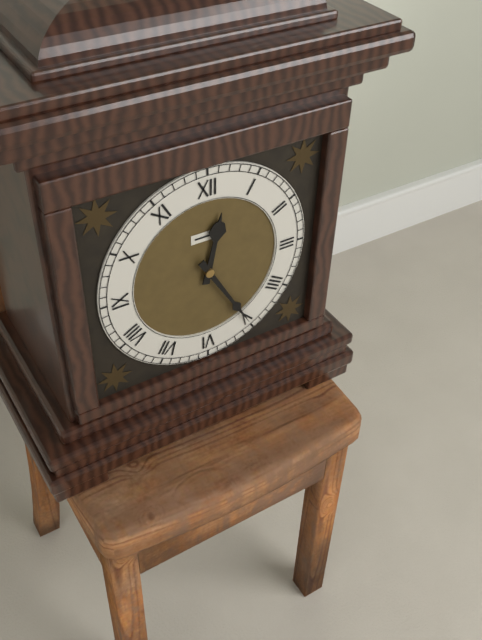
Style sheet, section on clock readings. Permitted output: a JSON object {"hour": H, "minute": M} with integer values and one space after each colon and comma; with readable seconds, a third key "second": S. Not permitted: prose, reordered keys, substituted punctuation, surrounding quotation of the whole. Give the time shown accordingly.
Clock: {"hour": 12, "minute": 25}
